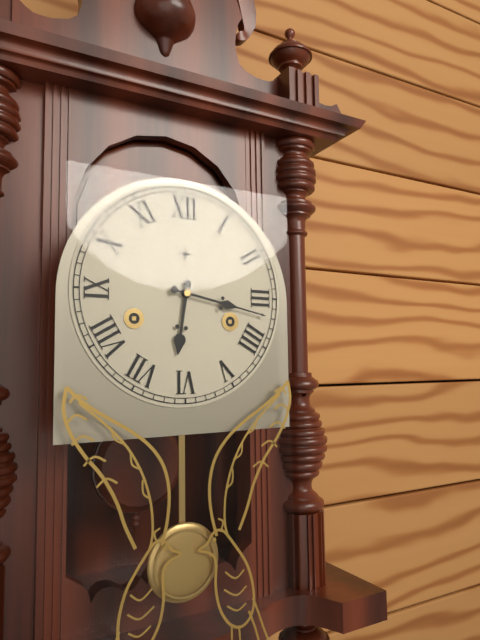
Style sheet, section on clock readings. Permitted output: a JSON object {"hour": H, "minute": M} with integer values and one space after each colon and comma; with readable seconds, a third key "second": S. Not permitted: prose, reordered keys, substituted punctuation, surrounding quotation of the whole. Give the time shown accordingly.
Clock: {"hour": 6, "minute": 17}
